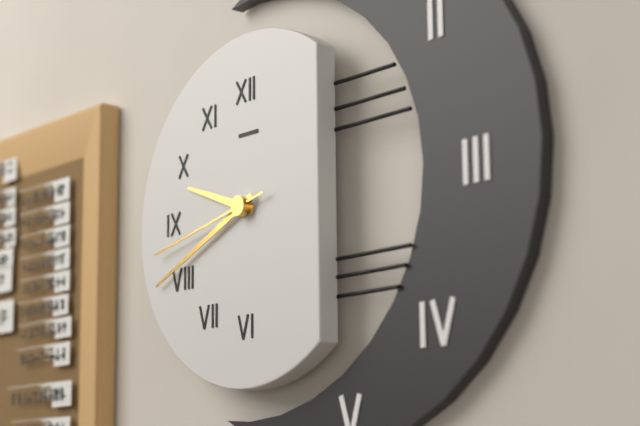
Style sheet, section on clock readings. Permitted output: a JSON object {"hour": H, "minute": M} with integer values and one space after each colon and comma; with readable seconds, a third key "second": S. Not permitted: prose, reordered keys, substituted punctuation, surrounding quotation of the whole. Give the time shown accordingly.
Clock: {"hour": 9, "minute": 41, "second": 43}
